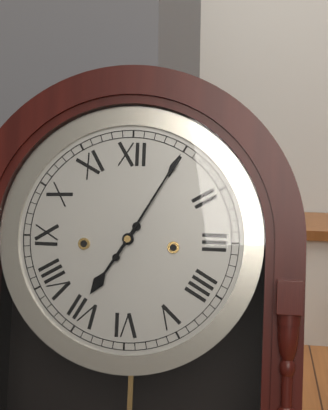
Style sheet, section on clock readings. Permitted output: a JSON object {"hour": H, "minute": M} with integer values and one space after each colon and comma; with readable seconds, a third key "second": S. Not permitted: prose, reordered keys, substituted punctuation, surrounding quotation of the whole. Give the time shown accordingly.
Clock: {"hour": 7, "minute": 5}
